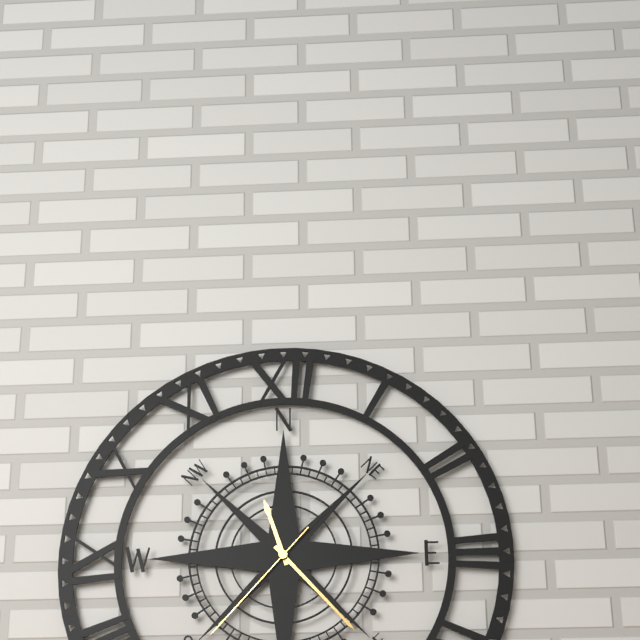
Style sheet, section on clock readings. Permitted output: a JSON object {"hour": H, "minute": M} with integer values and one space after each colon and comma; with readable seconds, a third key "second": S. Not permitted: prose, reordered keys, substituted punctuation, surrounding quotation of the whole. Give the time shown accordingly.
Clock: {"hour": 11, "minute": 23, "second": 37}
